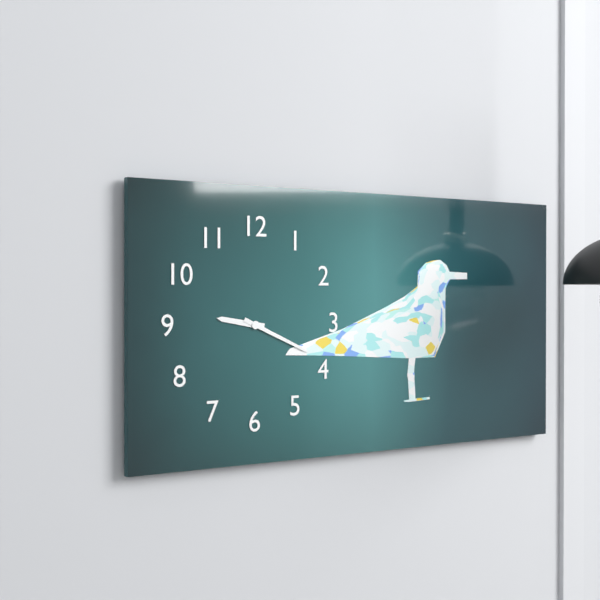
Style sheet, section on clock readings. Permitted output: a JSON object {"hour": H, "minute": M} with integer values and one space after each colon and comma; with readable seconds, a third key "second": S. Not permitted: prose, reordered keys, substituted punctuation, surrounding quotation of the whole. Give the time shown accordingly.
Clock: {"hour": 9, "minute": 19}
